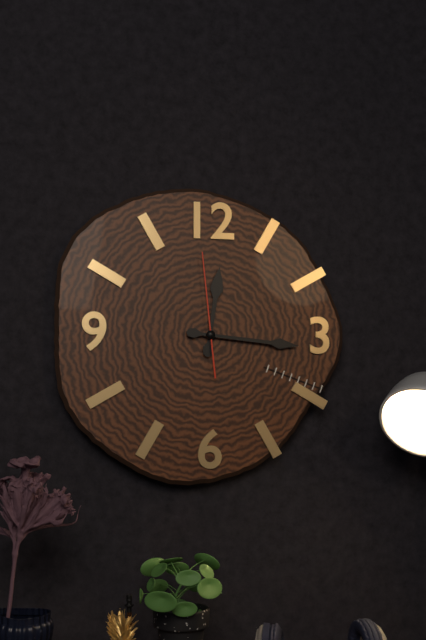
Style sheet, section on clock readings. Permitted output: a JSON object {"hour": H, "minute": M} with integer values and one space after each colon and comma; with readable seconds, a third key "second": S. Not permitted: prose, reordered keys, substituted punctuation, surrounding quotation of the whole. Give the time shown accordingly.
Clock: {"hour": 12, "minute": 16, "second": 59}
